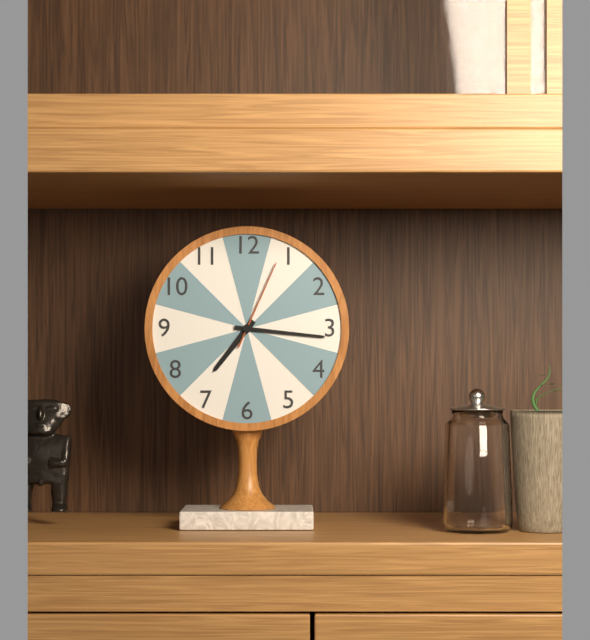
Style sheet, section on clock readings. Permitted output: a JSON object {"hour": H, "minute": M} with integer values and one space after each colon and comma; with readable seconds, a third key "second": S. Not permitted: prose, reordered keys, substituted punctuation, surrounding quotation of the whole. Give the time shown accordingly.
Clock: {"hour": 7, "minute": 16, "second": 4}
